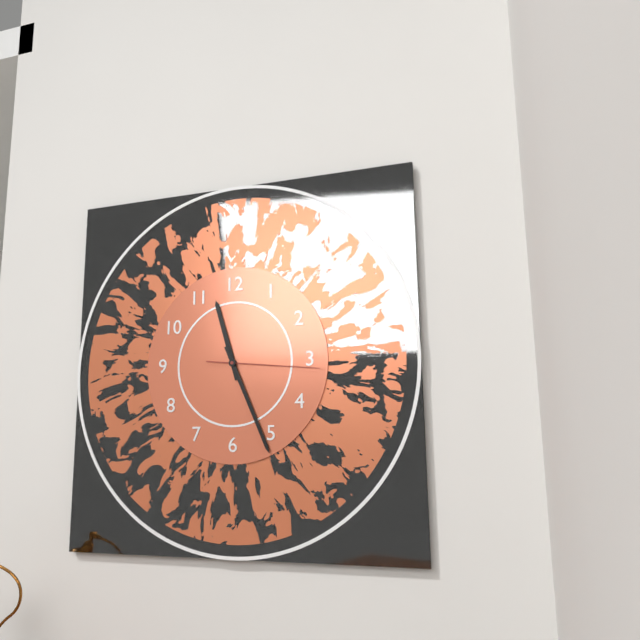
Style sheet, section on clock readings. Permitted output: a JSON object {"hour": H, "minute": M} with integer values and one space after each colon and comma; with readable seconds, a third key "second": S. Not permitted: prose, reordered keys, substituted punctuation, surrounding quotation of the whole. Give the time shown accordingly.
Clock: {"hour": 11, "minute": 26, "second": 16}
